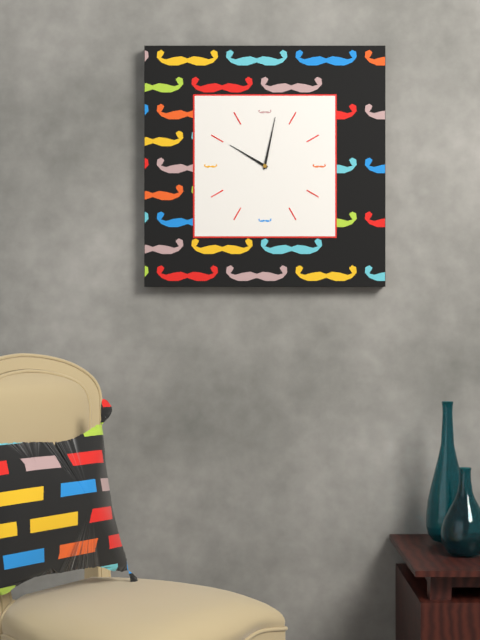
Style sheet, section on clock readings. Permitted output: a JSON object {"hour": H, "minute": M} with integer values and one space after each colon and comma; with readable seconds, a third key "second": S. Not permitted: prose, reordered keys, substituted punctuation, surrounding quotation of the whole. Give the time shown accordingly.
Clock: {"hour": 10, "minute": 2}
